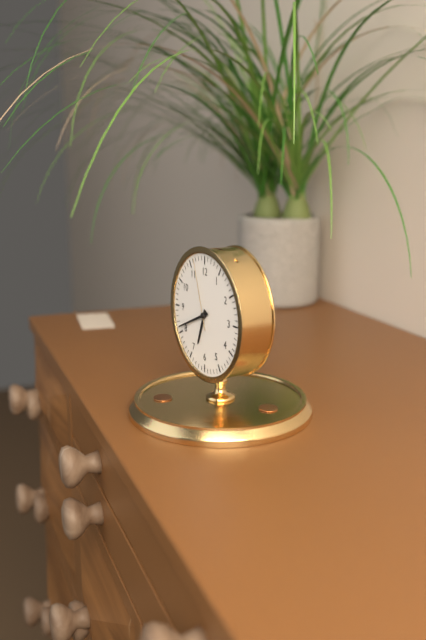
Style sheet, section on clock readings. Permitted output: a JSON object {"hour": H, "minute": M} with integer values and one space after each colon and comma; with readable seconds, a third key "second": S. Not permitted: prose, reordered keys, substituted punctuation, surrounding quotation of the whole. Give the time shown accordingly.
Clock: {"hour": 6, "minute": 41, "second": 57}
